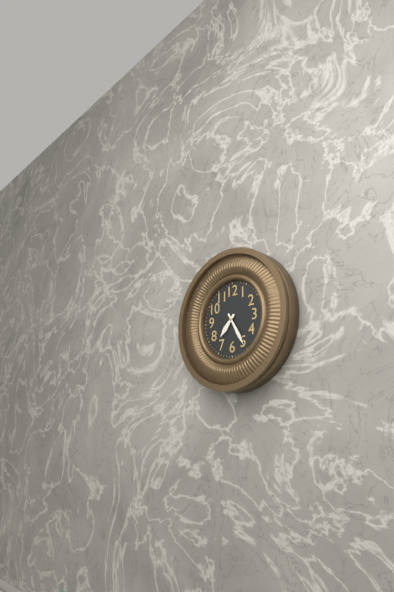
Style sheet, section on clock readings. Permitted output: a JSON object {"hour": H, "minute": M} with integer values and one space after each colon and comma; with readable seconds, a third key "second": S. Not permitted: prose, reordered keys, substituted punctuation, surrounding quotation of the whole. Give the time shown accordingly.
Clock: {"hour": 7, "minute": 25}
